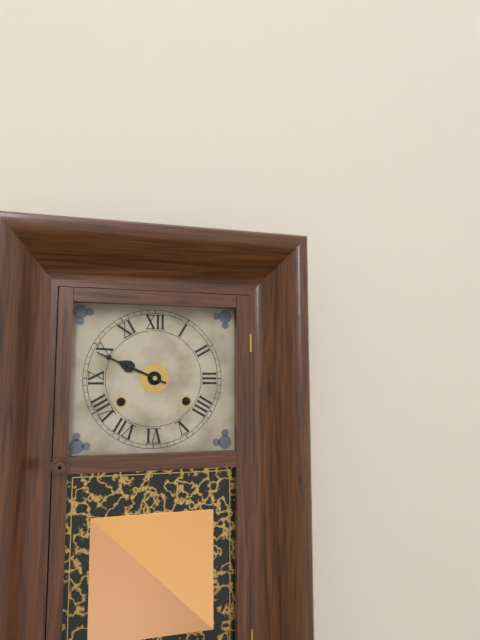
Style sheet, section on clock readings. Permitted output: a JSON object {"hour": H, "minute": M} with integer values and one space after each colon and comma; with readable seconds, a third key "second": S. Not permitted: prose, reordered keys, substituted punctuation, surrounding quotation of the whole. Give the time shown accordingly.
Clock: {"hour": 9, "minute": 49}
